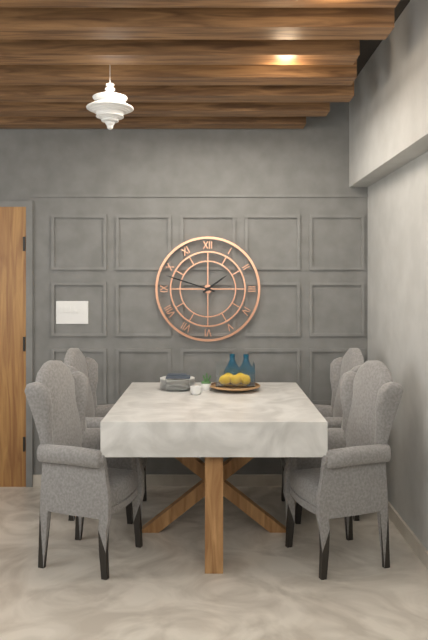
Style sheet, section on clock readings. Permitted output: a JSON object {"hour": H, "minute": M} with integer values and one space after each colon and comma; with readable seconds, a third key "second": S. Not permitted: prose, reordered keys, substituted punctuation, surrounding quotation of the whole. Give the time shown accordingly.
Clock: {"hour": 1, "minute": 48}
